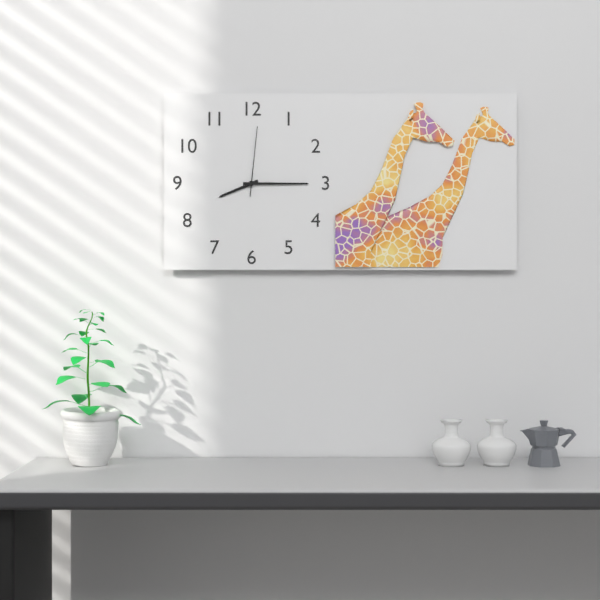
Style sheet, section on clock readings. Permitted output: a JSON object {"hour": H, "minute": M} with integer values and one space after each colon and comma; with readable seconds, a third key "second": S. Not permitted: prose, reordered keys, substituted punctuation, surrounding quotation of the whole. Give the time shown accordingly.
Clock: {"hour": 8, "minute": 15, "second": 1}
